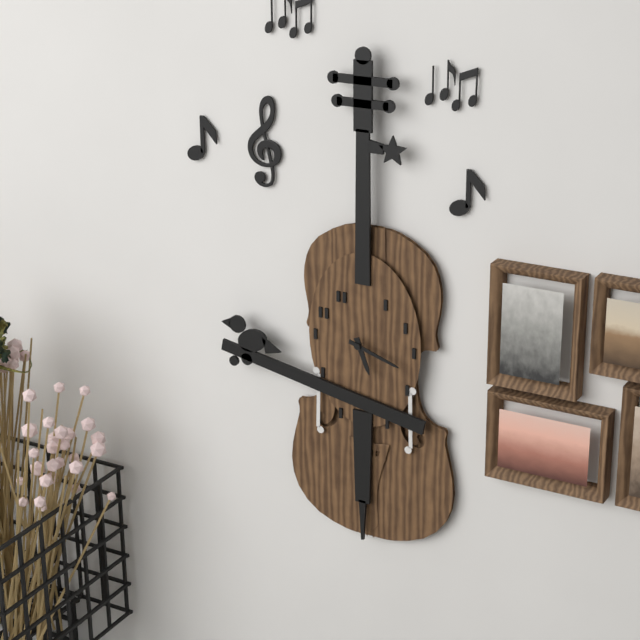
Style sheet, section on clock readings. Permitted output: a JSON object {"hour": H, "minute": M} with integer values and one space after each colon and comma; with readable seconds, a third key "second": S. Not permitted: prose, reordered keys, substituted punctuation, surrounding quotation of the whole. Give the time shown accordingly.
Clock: {"hour": 5, "minute": 18}
